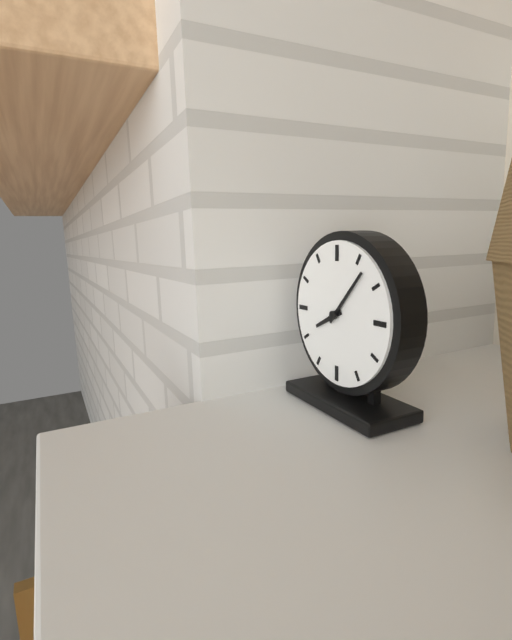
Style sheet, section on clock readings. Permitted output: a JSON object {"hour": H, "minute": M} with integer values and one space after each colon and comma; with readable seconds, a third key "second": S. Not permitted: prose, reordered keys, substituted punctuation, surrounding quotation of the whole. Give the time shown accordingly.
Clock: {"hour": 8, "minute": 7}
